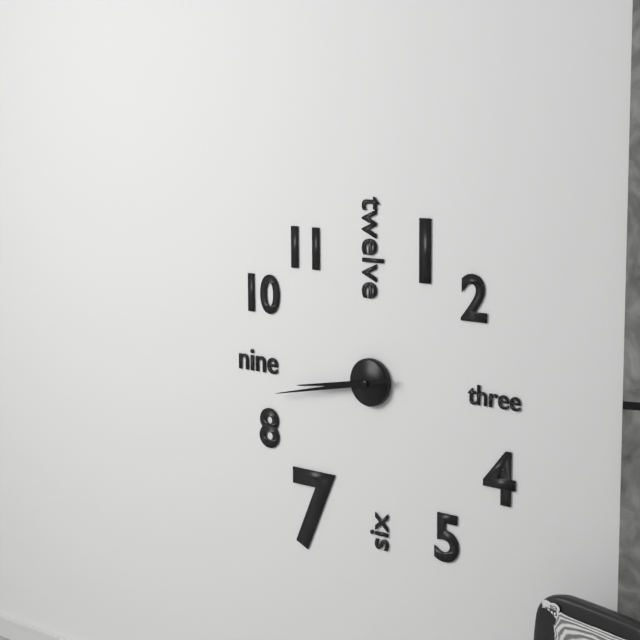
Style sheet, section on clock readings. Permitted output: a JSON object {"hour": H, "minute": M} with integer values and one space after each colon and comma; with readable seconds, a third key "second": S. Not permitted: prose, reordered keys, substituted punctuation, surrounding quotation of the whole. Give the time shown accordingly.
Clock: {"hour": 8, "minute": 43}
